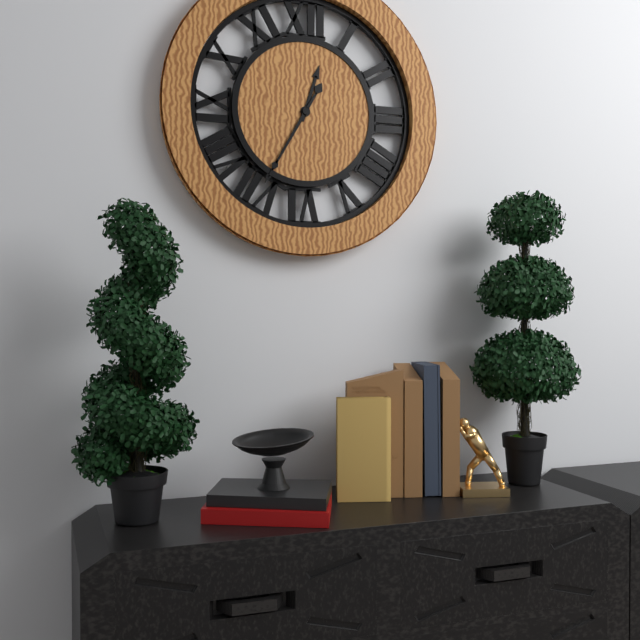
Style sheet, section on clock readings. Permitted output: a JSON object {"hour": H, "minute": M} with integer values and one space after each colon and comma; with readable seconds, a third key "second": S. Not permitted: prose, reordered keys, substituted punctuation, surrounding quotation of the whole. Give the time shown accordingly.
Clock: {"hour": 12, "minute": 35}
